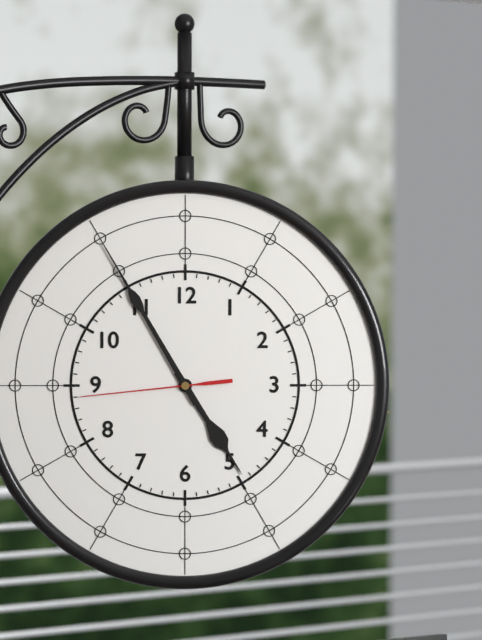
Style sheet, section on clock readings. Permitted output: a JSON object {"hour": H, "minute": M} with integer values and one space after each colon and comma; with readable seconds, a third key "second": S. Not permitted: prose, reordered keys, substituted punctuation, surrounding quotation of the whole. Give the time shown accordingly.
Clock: {"hour": 4, "minute": 55, "second": 44}
